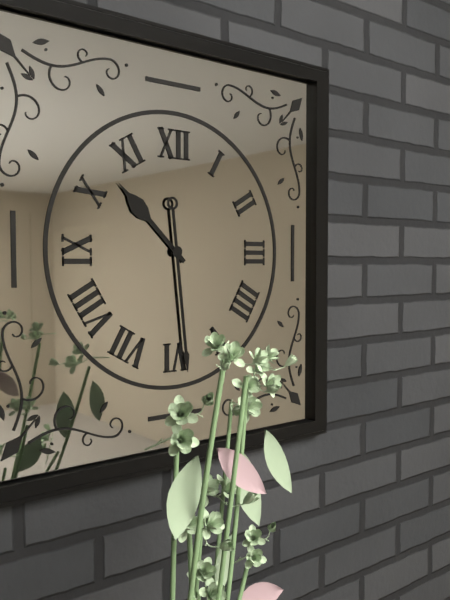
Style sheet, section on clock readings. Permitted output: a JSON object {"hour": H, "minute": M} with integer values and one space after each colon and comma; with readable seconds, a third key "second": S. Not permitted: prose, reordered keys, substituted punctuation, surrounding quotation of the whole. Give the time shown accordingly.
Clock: {"hour": 10, "minute": 29}
